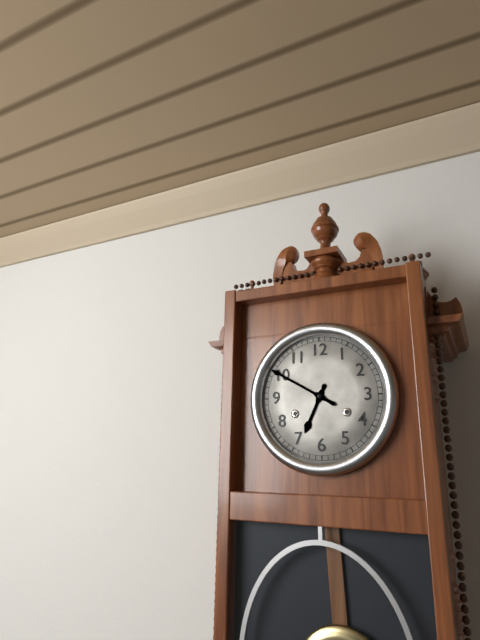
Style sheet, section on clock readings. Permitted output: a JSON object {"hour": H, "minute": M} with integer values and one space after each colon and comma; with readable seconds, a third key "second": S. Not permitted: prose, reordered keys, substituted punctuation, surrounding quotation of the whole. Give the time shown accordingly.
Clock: {"hour": 6, "minute": 50}
